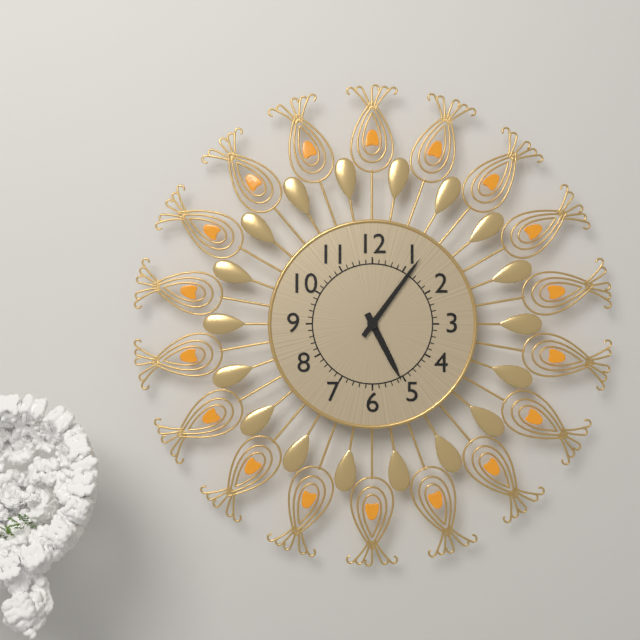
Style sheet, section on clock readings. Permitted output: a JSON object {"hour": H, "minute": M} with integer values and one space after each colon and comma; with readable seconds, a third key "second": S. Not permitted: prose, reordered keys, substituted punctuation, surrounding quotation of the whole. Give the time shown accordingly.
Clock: {"hour": 5, "minute": 6}
